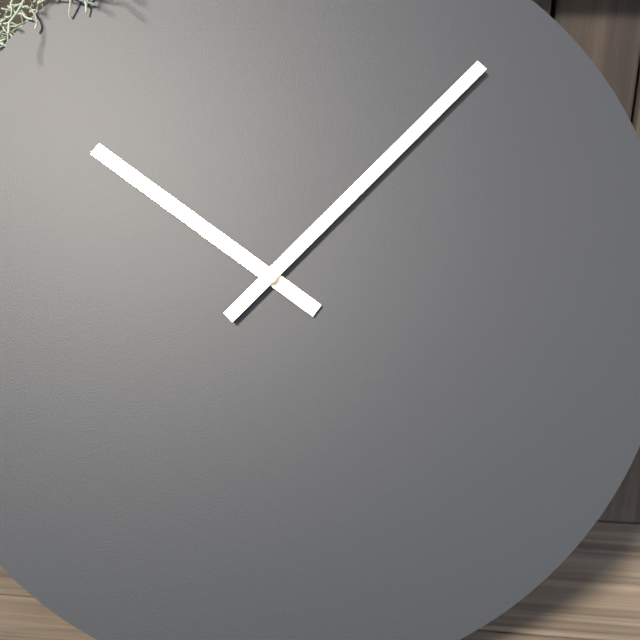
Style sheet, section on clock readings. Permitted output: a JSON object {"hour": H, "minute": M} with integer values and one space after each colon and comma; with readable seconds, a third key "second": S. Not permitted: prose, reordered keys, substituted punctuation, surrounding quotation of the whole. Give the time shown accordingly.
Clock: {"hour": 10, "minute": 7}
